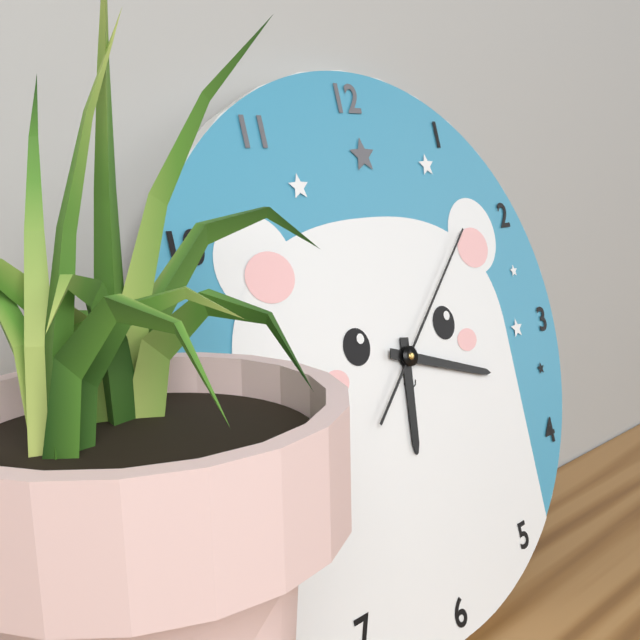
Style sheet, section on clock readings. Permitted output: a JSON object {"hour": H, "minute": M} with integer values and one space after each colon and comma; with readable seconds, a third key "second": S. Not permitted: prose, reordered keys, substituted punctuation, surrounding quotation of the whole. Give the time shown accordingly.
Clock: {"hour": 6, "minute": 18, "second": 8}
